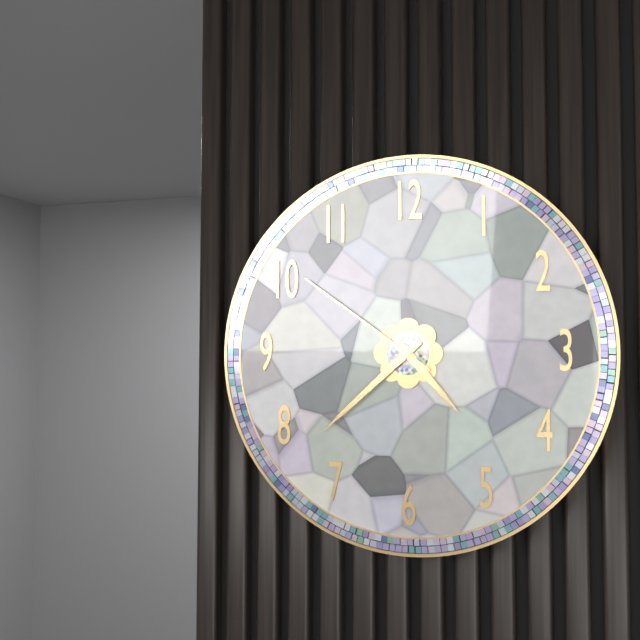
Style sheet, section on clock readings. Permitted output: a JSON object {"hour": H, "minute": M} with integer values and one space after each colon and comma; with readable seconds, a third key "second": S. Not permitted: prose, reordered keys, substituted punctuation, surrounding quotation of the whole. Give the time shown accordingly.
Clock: {"hour": 4, "minute": 38, "second": 51}
